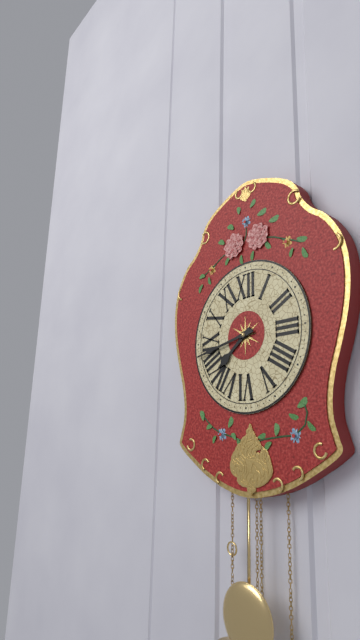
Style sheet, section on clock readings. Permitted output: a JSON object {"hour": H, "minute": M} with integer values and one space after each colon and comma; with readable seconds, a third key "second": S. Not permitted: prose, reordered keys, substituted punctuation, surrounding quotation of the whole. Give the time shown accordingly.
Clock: {"hour": 7, "minute": 43}
